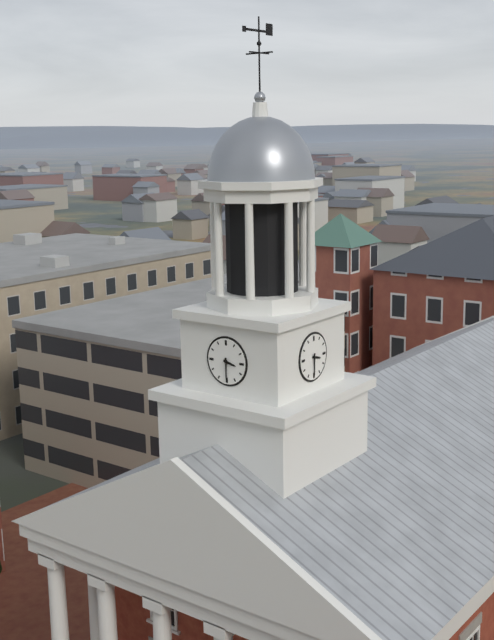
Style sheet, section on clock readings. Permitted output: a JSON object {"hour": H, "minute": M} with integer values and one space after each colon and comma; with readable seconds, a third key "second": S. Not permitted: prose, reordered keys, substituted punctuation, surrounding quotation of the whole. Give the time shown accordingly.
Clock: {"hour": 3, "minute": 30}
